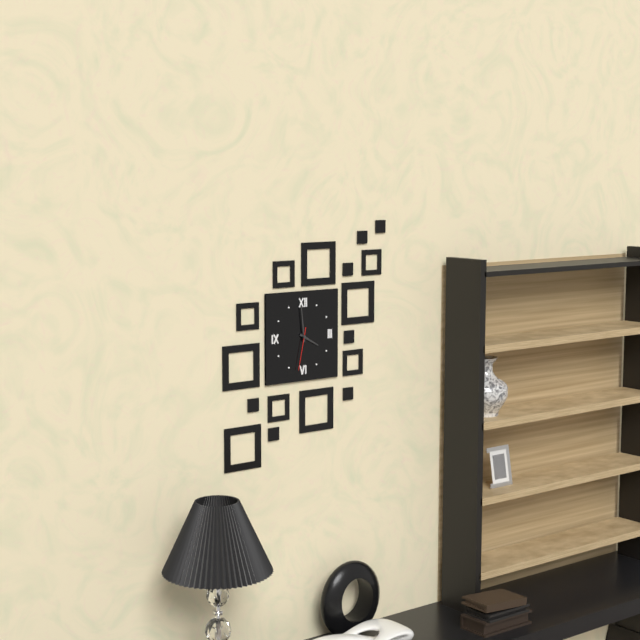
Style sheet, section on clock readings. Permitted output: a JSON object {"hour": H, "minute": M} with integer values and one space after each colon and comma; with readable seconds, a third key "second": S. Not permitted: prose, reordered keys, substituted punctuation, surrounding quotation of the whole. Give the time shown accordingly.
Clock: {"hour": 3, "minute": 59}
